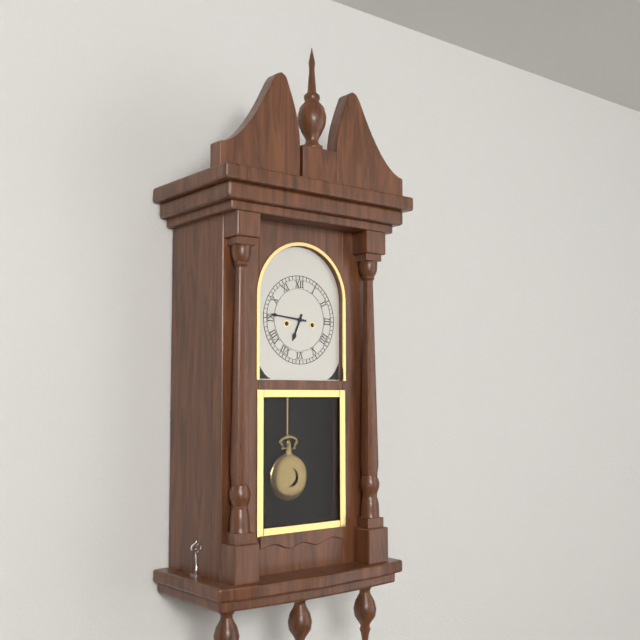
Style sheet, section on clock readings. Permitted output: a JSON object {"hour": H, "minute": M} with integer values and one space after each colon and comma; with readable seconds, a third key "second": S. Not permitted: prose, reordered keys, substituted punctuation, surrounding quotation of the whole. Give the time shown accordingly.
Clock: {"hour": 6, "minute": 46}
